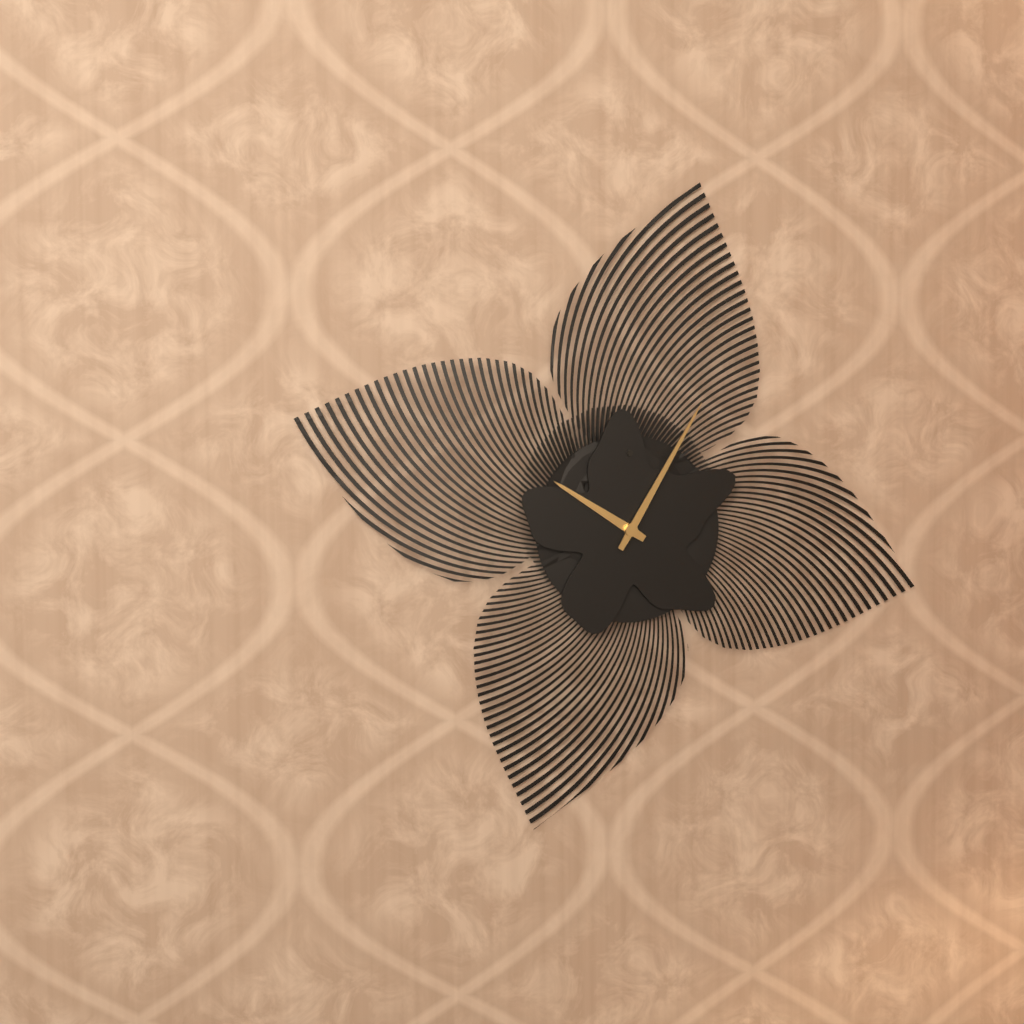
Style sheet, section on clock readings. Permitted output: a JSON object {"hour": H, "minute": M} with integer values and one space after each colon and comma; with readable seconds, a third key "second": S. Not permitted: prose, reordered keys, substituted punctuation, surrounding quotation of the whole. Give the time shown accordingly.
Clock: {"hour": 10, "minute": 5}
